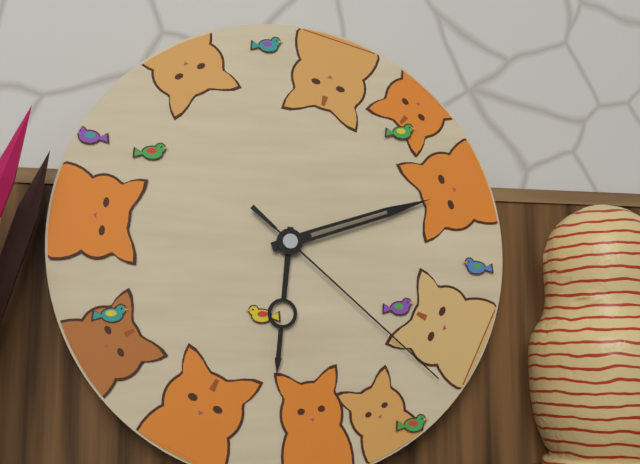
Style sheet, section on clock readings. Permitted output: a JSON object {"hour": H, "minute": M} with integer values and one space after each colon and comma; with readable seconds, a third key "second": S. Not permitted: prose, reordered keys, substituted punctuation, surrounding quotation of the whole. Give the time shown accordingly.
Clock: {"hour": 6, "minute": 12, "second": 22}
